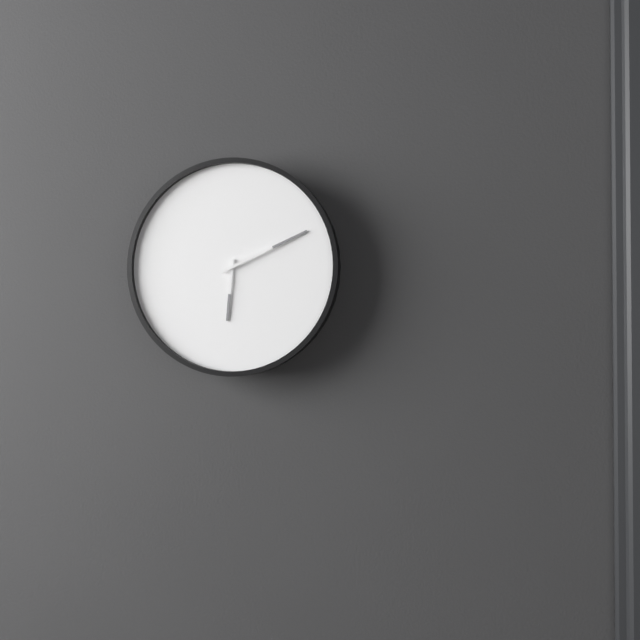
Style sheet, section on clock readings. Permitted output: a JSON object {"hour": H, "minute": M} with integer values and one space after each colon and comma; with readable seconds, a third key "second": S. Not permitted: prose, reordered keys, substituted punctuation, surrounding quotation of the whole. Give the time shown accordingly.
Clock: {"hour": 6, "minute": 11}
